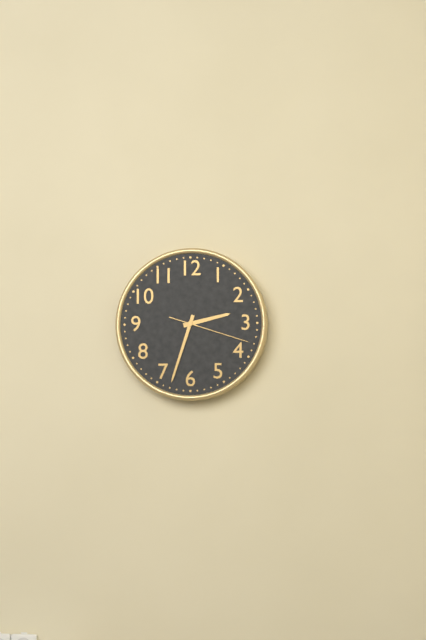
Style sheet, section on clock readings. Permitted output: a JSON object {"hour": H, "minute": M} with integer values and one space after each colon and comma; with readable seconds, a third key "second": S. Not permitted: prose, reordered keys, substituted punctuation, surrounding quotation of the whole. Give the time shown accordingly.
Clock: {"hour": 2, "minute": 33, "second": 18}
